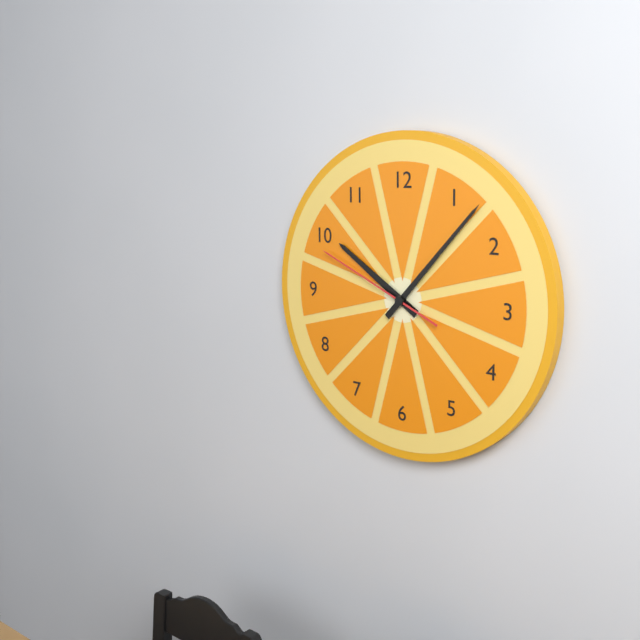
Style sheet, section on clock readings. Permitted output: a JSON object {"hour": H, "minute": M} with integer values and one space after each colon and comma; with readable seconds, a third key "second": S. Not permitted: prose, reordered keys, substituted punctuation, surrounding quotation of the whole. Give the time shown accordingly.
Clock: {"hour": 10, "minute": 7, "second": 49}
